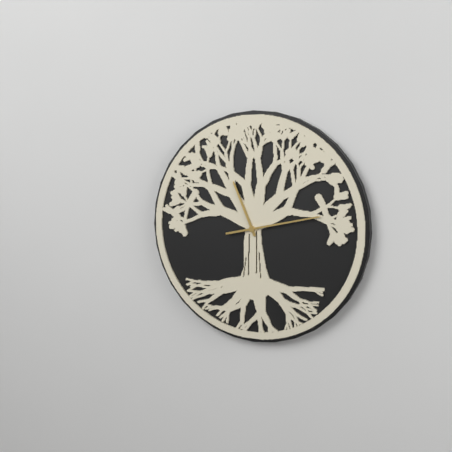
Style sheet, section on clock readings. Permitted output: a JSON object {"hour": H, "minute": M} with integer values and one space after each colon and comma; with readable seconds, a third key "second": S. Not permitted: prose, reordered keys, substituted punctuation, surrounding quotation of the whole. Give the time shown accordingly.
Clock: {"hour": 11, "minute": 13}
